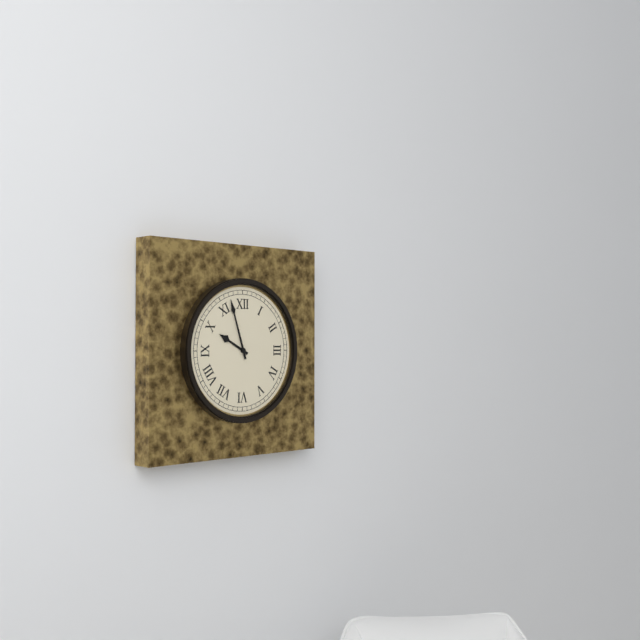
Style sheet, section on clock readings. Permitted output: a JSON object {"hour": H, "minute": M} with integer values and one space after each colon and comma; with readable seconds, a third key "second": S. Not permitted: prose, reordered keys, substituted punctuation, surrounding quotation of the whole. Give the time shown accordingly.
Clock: {"hour": 9, "minute": 57}
